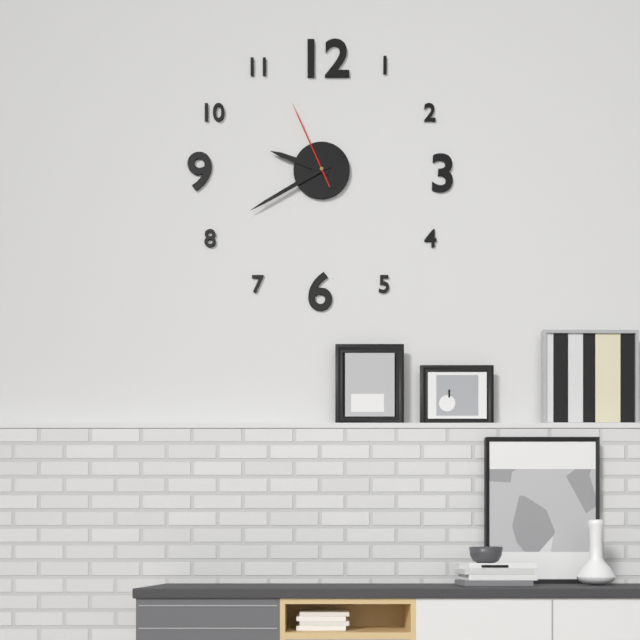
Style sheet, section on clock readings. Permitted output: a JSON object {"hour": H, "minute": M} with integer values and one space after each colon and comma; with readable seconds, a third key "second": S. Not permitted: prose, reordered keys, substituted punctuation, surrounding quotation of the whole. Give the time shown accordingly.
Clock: {"hour": 9, "minute": 40, "second": 56}
